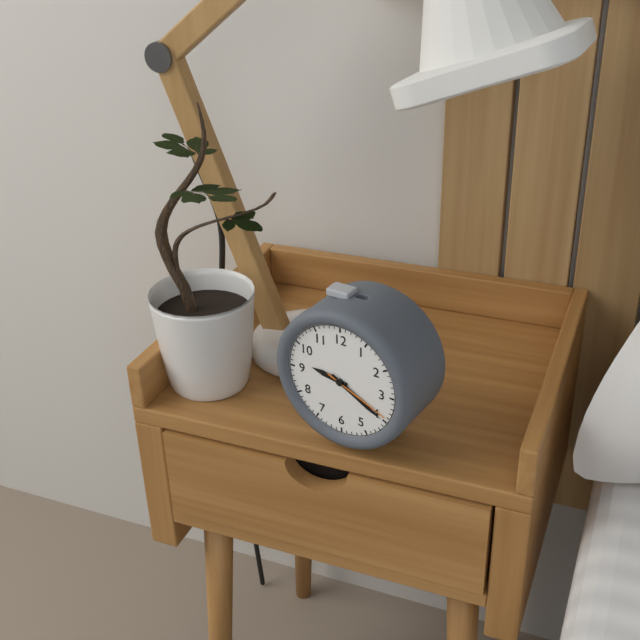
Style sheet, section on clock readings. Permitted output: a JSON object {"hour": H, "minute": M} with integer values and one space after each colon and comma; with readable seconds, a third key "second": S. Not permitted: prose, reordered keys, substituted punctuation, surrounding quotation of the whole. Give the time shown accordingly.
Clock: {"hour": 9, "minute": 20, "second": 19}
